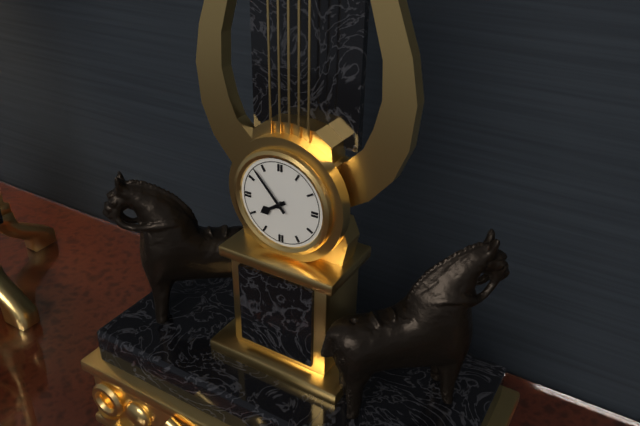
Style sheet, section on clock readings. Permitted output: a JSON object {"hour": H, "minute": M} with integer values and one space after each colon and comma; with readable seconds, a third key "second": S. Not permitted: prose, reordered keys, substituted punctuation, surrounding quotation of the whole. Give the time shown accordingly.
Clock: {"hour": 7, "minute": 53}
